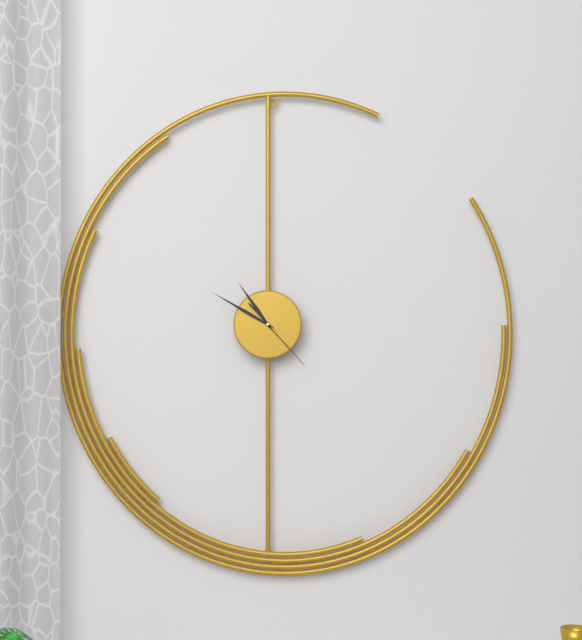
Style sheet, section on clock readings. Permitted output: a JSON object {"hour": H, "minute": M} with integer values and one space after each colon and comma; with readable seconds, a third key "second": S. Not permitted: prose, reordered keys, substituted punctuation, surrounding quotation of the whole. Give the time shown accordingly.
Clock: {"hour": 10, "minute": 50, "second": 23}
